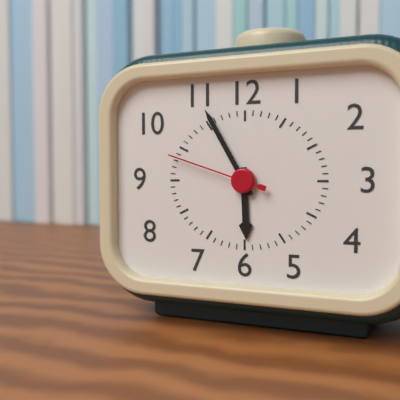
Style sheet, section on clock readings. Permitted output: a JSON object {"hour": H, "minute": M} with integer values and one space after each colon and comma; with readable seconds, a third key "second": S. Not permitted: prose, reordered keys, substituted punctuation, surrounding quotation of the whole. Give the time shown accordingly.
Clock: {"hour": 5, "minute": 55, "second": 48}
